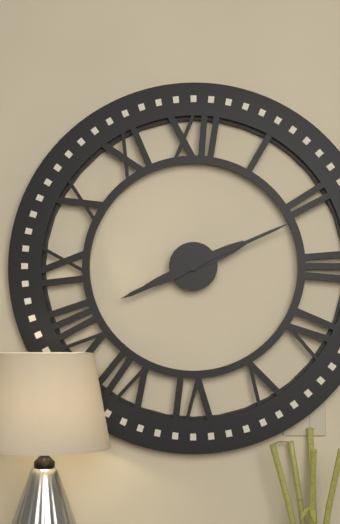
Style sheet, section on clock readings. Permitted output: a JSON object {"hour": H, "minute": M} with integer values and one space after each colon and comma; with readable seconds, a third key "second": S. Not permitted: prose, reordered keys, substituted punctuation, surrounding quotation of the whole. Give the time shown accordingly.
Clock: {"hour": 8, "minute": 11}
